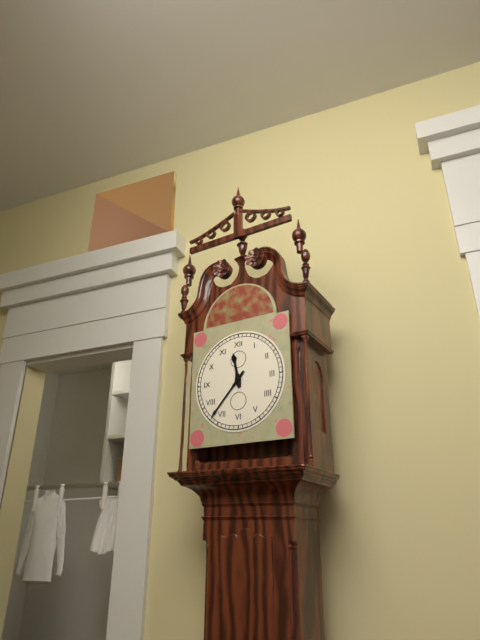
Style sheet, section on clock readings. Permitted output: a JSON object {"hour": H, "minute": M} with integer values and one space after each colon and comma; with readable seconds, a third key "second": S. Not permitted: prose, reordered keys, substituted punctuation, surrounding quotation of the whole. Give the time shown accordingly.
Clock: {"hour": 11, "minute": 37}
